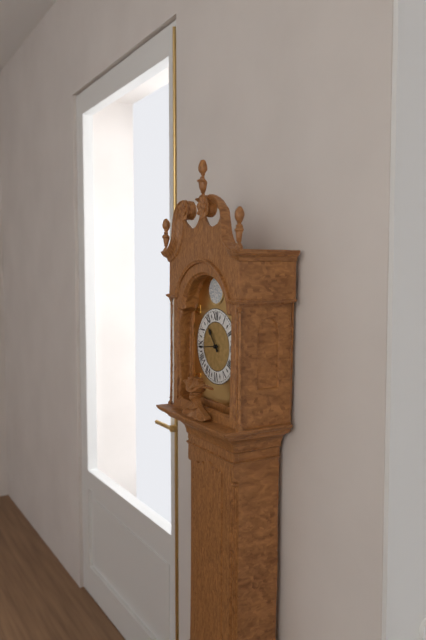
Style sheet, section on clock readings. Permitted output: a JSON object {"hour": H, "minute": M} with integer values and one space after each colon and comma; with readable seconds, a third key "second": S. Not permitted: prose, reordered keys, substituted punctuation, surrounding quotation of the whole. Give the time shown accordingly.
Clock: {"hour": 10, "minute": 44}
